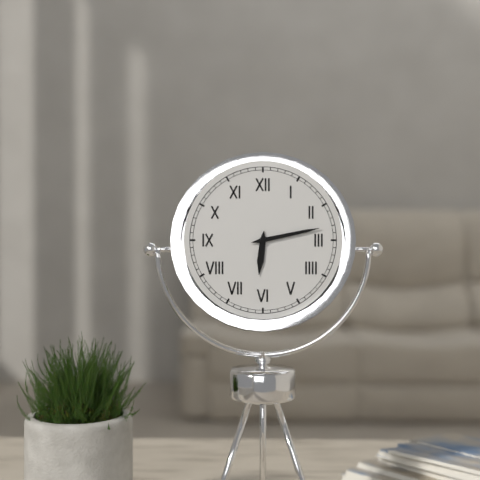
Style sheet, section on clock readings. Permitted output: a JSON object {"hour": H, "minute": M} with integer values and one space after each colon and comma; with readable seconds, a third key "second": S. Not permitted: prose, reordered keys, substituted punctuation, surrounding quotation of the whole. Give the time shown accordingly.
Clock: {"hour": 6, "minute": 13}
